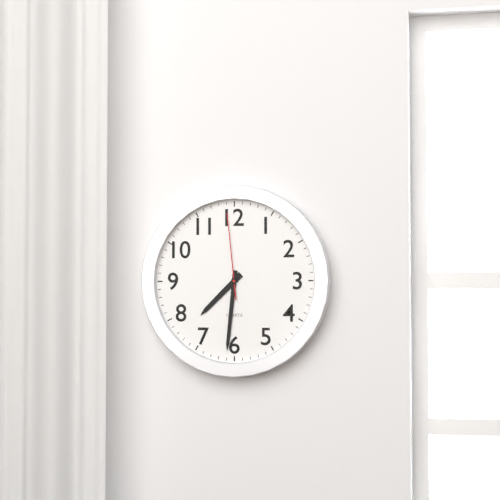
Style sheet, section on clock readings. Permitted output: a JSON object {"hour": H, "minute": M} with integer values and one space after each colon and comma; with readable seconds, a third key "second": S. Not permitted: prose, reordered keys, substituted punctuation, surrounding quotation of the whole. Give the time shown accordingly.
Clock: {"hour": 7, "minute": 31, "second": 59}
